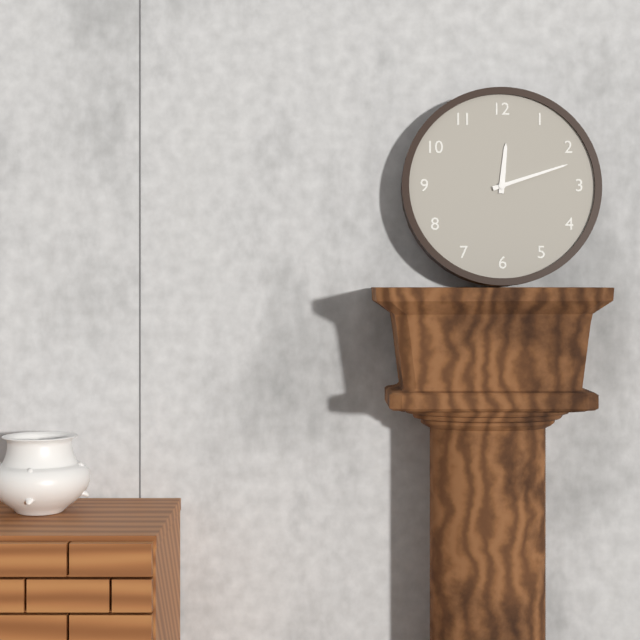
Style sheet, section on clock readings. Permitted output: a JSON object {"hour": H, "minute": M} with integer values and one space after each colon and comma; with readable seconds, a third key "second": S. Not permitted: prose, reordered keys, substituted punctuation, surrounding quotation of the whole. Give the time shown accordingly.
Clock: {"hour": 12, "minute": 12}
